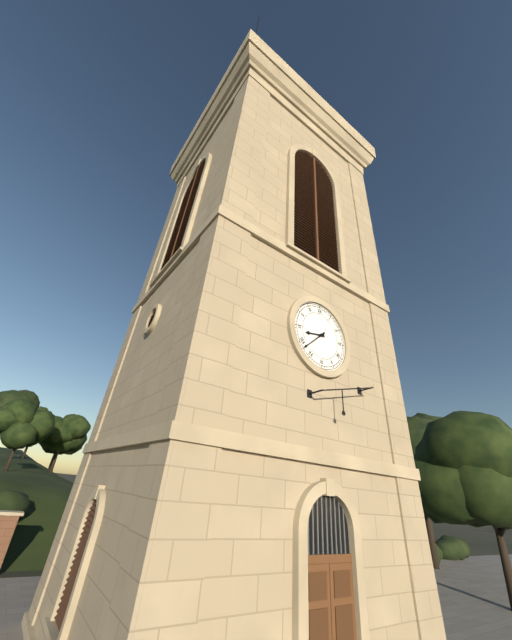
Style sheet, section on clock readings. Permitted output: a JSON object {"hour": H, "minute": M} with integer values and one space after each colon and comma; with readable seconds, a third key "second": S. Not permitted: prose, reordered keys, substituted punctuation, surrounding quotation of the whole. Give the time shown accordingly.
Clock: {"hour": 8, "minute": 38}
